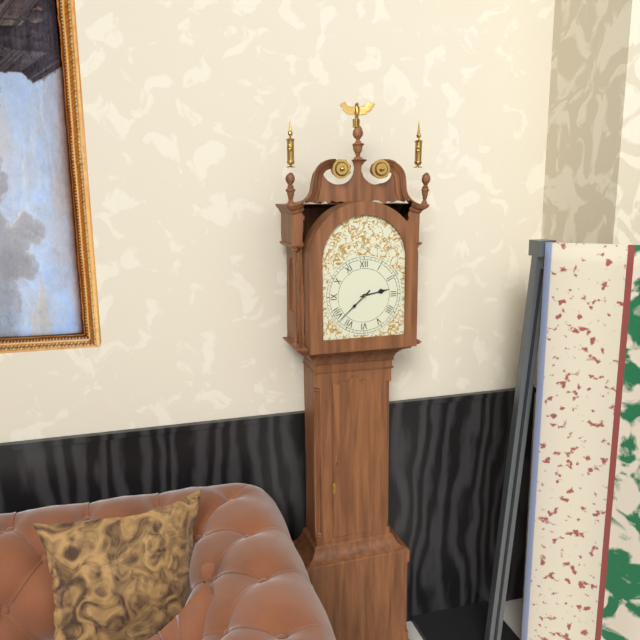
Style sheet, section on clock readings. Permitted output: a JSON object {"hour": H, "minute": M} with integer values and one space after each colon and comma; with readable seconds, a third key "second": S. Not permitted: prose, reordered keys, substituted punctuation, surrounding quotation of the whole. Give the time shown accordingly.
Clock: {"hour": 2, "minute": 38}
